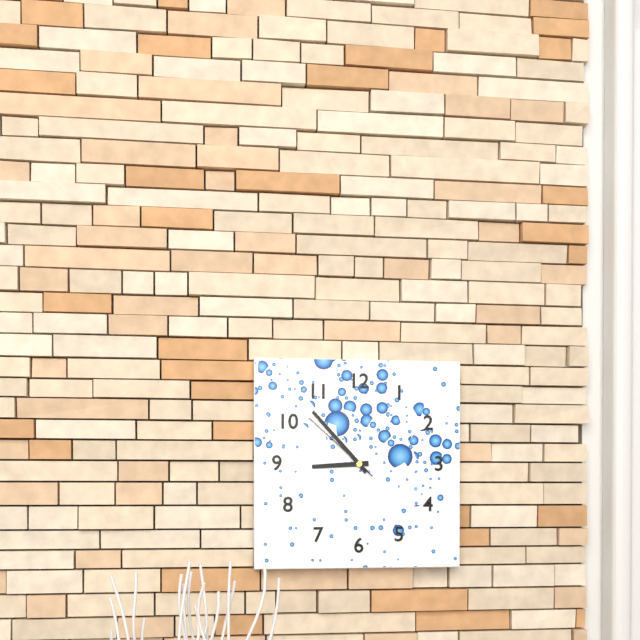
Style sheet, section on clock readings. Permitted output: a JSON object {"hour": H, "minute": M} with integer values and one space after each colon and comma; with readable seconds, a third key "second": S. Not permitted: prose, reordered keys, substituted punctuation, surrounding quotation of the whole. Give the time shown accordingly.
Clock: {"hour": 8, "minute": 53, "second": 52}
